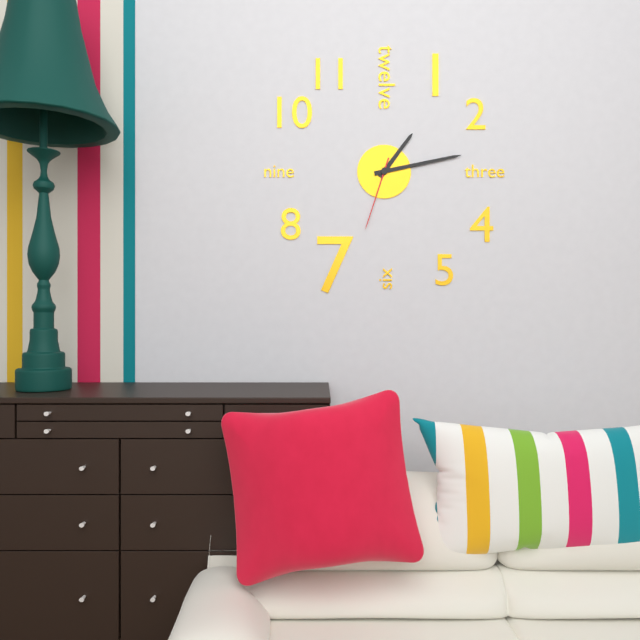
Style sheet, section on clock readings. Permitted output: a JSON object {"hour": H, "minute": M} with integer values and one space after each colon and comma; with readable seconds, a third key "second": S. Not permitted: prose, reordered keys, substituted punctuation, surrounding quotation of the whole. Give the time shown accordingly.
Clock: {"hour": 1, "minute": 13, "second": 33}
